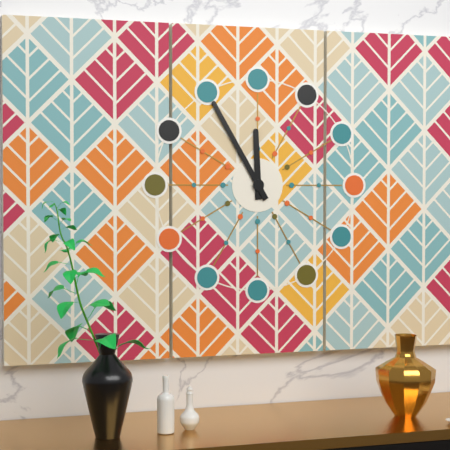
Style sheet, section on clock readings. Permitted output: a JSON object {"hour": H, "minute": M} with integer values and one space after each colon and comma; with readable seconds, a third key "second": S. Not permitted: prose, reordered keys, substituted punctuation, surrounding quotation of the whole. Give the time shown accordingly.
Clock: {"hour": 11, "minute": 55}
